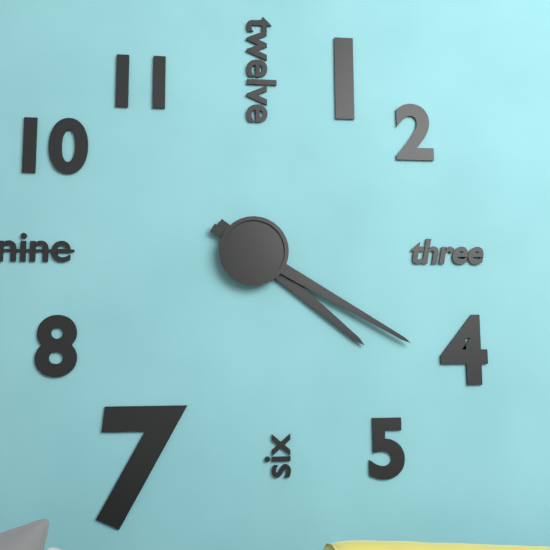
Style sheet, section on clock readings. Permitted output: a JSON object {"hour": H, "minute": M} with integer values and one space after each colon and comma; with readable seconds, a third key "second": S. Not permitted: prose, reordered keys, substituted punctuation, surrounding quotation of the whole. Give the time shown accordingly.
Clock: {"hour": 4, "minute": 20}
